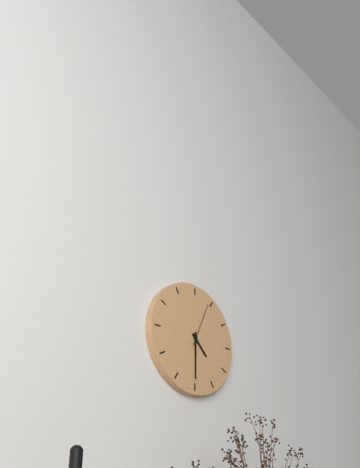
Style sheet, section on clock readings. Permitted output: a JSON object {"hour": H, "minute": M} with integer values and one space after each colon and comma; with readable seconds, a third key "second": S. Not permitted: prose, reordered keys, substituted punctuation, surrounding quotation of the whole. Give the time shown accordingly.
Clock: {"hour": 4, "minute": 30}
